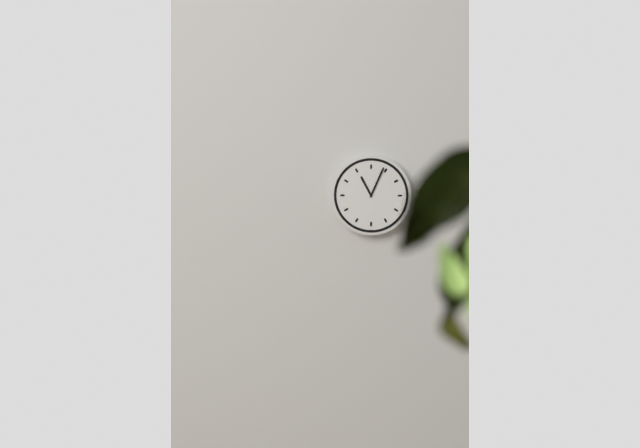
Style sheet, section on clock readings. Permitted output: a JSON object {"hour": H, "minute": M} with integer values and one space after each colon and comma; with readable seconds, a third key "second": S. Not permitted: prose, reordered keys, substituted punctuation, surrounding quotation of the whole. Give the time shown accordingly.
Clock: {"hour": 11, "minute": 4}
